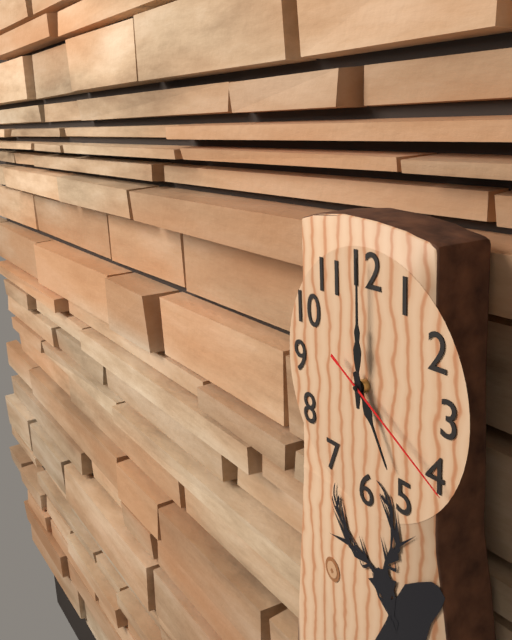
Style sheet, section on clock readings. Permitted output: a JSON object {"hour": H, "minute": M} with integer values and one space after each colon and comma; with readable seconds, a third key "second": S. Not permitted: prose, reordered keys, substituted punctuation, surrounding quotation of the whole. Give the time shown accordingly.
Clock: {"hour": 5, "minute": 0, "second": 20}
